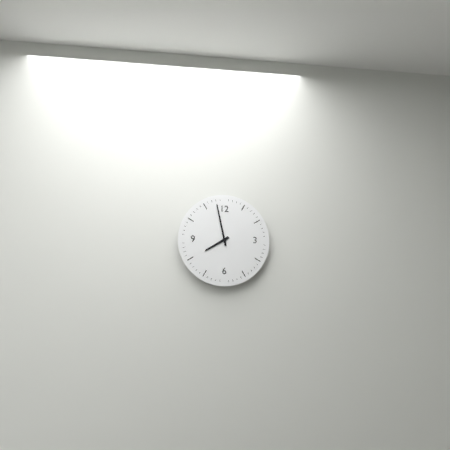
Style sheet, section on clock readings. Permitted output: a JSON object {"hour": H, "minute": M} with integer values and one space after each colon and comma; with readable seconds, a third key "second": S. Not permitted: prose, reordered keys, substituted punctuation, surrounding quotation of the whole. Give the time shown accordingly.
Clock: {"hour": 7, "minute": 58}
